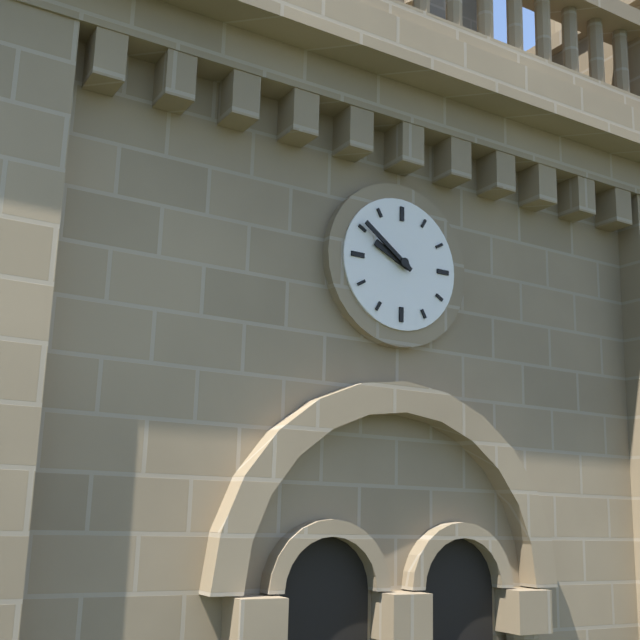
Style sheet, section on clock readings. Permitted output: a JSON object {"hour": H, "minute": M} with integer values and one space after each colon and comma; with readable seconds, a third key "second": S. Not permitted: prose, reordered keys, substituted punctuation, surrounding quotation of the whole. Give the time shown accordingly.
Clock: {"hour": 9, "minute": 51}
